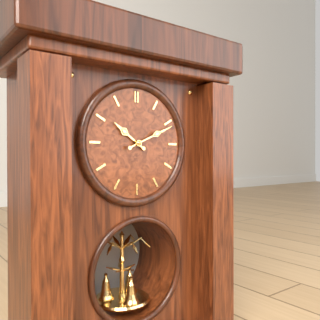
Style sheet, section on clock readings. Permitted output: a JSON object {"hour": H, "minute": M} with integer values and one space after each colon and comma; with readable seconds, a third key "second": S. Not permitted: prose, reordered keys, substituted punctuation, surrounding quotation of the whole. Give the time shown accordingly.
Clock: {"hour": 10, "minute": 11}
